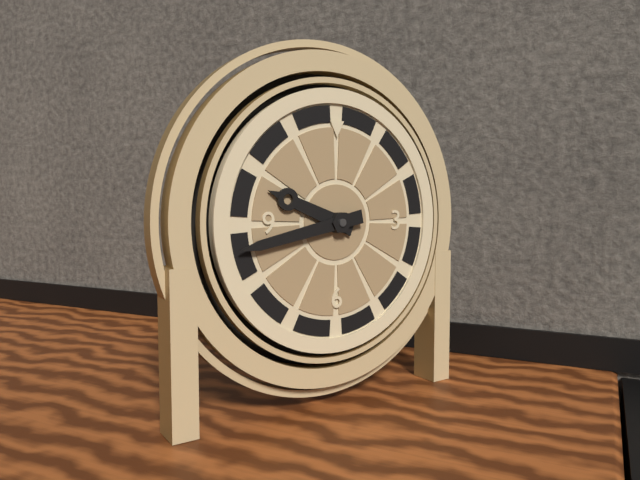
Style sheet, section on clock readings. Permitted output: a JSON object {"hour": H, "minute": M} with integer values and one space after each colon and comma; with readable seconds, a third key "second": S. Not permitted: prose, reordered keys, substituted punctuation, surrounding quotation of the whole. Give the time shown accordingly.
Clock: {"hour": 9, "minute": 43}
